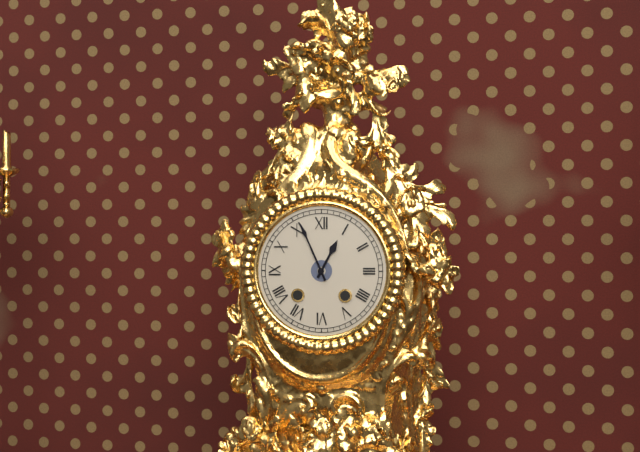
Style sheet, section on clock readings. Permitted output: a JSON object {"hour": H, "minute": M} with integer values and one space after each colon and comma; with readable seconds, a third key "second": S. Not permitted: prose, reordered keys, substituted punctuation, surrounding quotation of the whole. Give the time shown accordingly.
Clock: {"hour": 12, "minute": 56}
